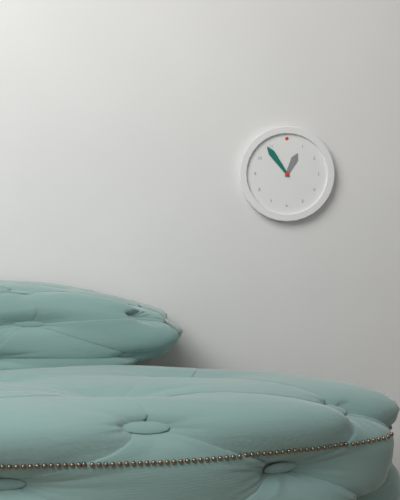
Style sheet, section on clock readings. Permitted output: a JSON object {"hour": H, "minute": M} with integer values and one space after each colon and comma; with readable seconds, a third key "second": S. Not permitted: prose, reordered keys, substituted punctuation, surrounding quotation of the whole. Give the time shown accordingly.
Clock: {"hour": 12, "minute": 54}
